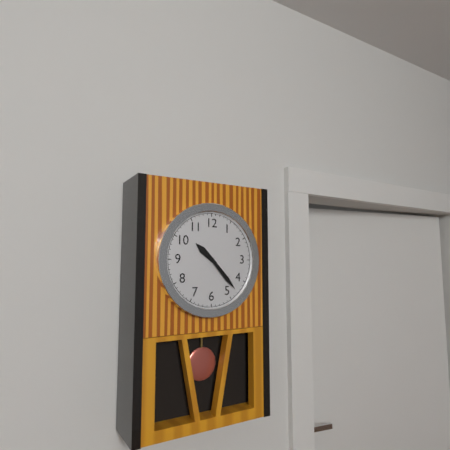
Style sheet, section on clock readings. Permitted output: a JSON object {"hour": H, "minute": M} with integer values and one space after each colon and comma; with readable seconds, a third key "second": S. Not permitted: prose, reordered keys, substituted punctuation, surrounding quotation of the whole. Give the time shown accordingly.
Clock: {"hour": 10, "minute": 23}
